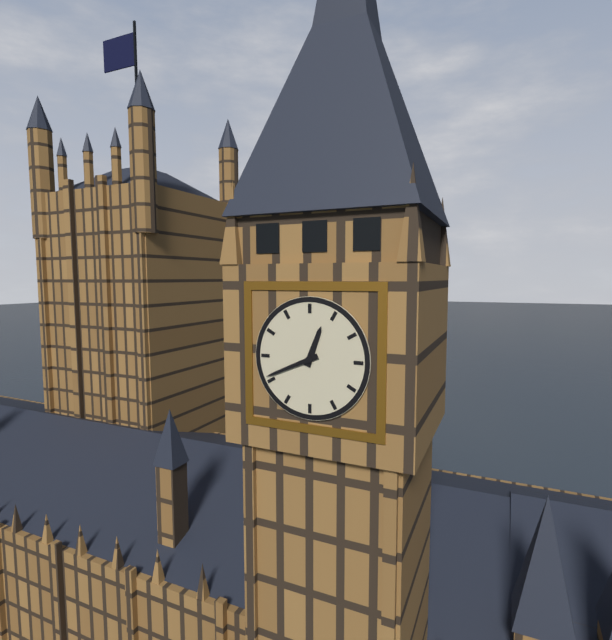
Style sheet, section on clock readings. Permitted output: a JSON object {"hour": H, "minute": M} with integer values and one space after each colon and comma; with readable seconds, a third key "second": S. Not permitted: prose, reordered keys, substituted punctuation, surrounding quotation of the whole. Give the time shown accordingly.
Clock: {"hour": 12, "minute": 41}
